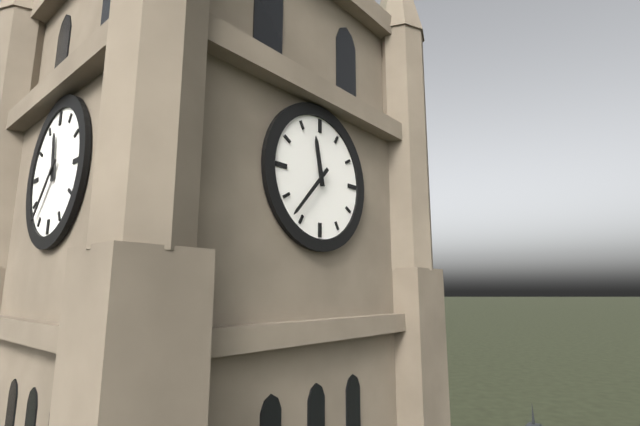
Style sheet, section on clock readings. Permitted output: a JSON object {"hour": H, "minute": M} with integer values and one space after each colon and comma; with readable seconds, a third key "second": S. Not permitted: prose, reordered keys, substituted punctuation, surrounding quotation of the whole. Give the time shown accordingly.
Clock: {"hour": 11, "minute": 37}
